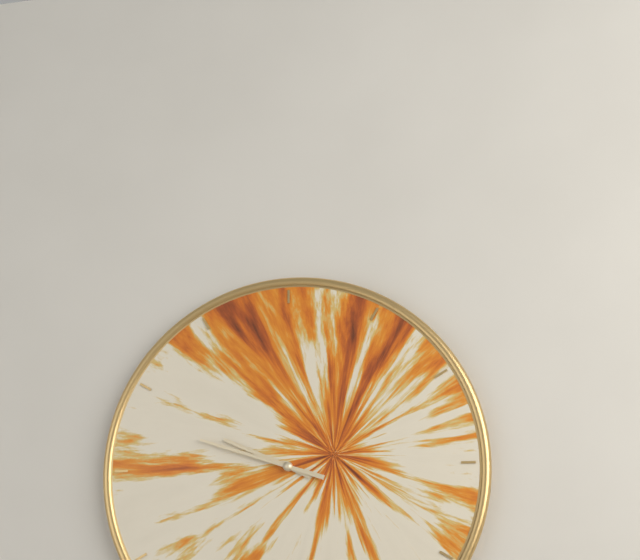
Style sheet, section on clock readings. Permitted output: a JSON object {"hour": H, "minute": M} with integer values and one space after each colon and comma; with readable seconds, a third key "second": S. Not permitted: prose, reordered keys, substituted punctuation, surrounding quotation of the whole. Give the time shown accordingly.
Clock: {"hour": 9, "minute": 48}
